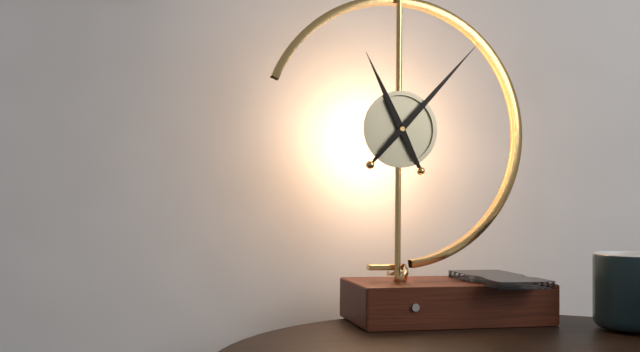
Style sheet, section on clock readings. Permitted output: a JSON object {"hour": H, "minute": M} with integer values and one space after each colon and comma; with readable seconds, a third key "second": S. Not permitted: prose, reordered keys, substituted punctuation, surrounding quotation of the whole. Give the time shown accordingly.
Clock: {"hour": 11, "minute": 7}
